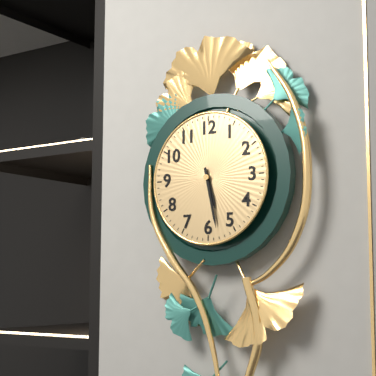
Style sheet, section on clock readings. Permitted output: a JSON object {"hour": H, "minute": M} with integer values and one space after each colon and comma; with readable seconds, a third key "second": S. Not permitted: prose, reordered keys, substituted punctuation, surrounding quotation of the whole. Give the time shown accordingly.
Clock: {"hour": 5, "minute": 28}
